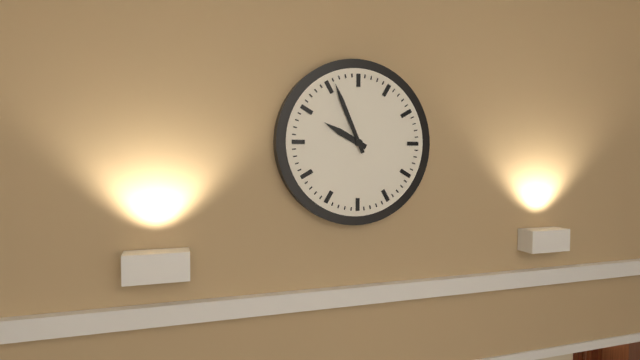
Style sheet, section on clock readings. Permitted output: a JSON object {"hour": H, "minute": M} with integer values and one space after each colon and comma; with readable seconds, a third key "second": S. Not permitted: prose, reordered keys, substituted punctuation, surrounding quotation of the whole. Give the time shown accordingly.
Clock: {"hour": 9, "minute": 56}
